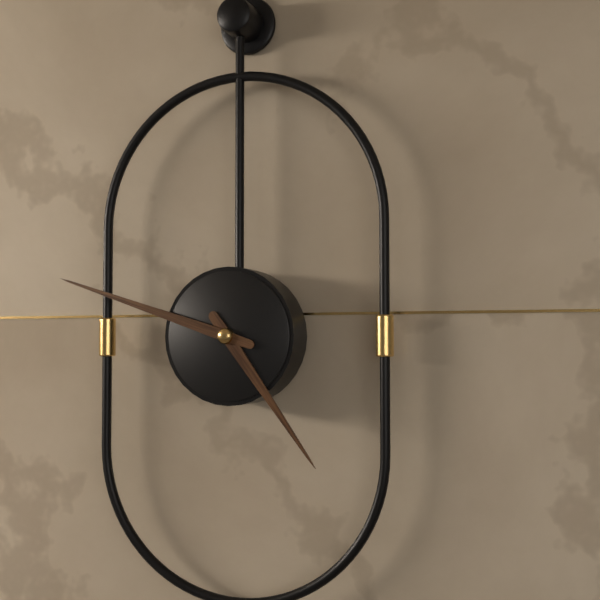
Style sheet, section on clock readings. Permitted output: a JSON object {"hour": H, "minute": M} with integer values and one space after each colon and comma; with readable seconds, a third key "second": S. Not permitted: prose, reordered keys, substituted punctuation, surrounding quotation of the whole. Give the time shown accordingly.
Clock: {"hour": 4, "minute": 48}
